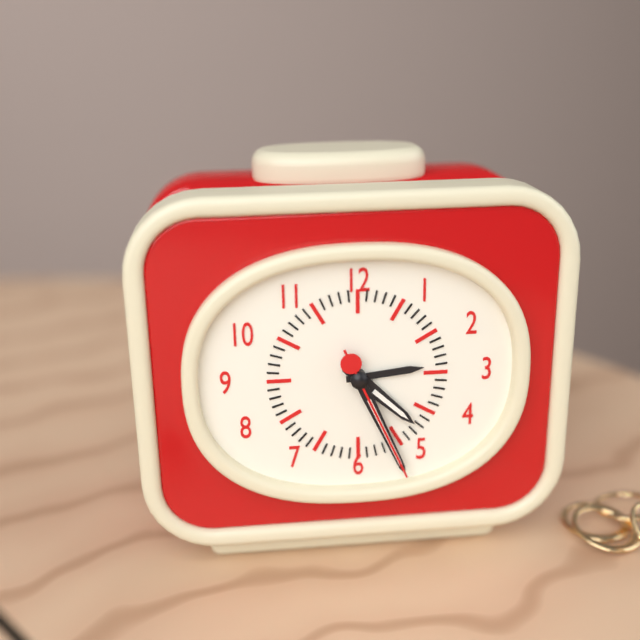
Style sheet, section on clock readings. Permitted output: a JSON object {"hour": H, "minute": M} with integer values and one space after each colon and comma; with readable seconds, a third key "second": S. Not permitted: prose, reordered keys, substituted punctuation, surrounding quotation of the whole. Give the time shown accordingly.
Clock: {"hour": 4, "minute": 26, "second": 26}
